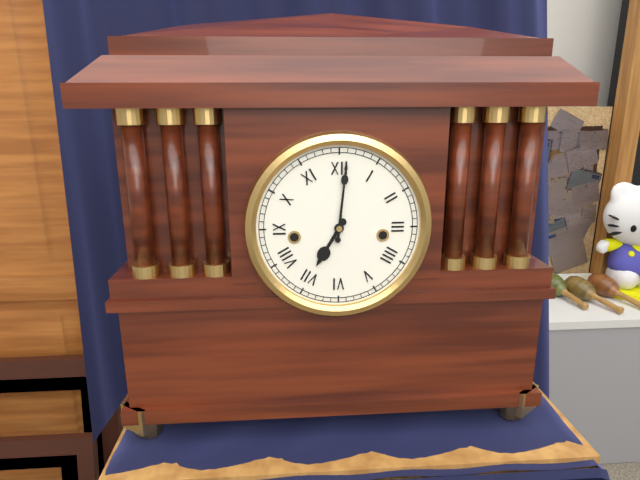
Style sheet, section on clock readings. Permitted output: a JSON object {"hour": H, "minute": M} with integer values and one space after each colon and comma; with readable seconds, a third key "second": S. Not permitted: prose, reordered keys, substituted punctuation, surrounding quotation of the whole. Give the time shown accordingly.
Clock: {"hour": 7, "minute": 1}
